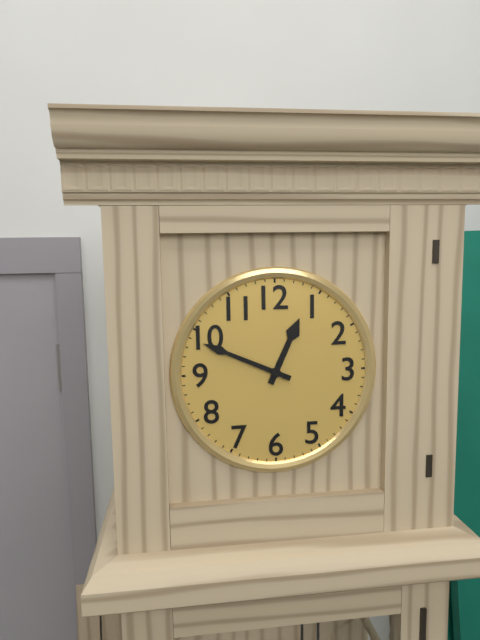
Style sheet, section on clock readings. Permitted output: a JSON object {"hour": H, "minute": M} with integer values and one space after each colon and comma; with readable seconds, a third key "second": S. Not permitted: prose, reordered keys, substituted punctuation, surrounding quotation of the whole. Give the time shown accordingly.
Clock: {"hour": 12, "minute": 49}
